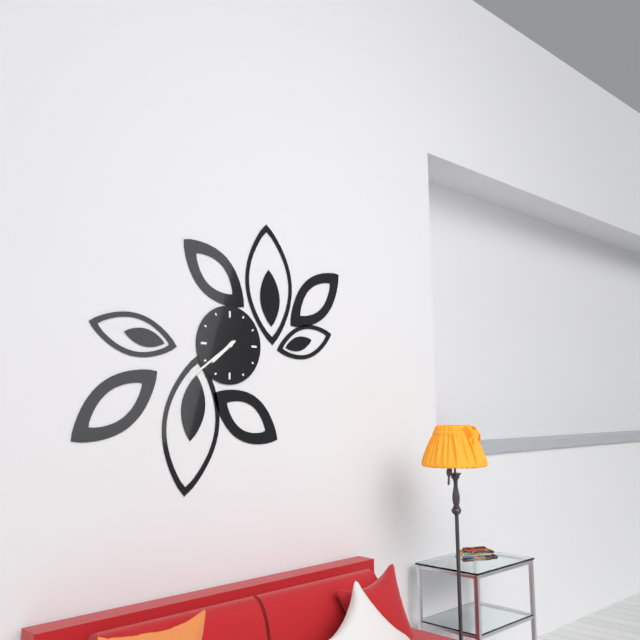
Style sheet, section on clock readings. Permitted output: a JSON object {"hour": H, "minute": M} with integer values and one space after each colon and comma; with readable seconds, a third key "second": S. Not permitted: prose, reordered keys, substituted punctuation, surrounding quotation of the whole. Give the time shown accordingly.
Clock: {"hour": 7, "minute": 39}
